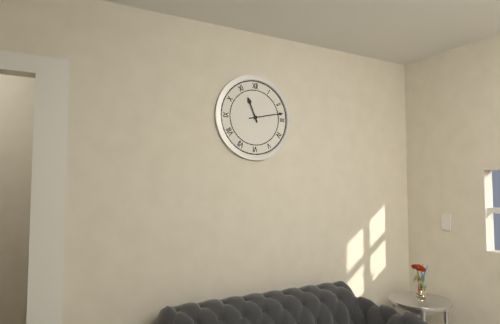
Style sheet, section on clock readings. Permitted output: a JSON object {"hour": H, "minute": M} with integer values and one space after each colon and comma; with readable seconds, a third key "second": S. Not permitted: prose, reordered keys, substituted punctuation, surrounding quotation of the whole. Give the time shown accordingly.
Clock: {"hour": 11, "minute": 13}
